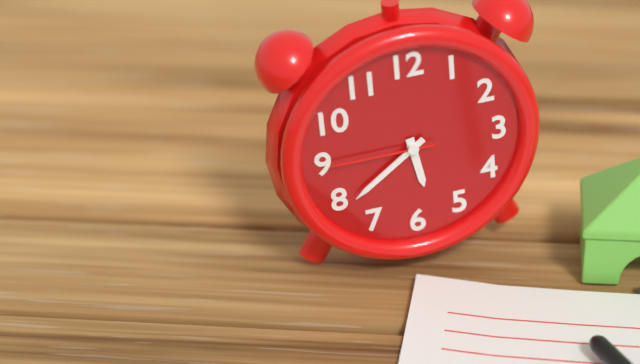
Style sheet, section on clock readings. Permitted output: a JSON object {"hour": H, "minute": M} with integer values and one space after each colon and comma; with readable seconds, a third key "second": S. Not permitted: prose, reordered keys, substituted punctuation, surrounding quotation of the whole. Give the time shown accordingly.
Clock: {"hour": 5, "minute": 39, "second": 45}
